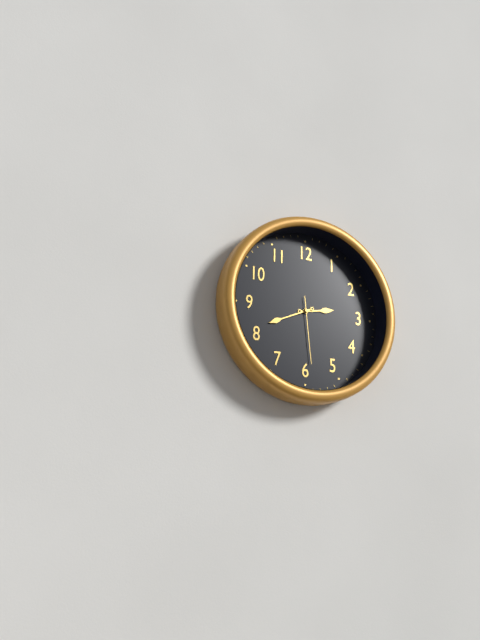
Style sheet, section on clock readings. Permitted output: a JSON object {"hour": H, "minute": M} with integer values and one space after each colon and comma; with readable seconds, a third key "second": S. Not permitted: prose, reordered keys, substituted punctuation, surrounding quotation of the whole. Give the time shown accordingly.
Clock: {"hour": 2, "minute": 41, "second": 29}
